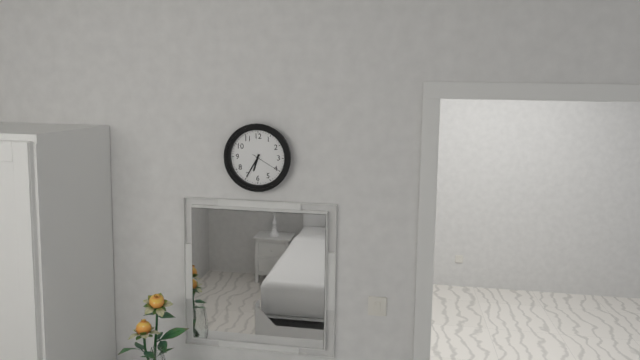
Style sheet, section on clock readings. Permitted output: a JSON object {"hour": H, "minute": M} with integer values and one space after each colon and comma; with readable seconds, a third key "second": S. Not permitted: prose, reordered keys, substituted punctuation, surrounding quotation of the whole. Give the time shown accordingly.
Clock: {"hour": 6, "minute": 35}
